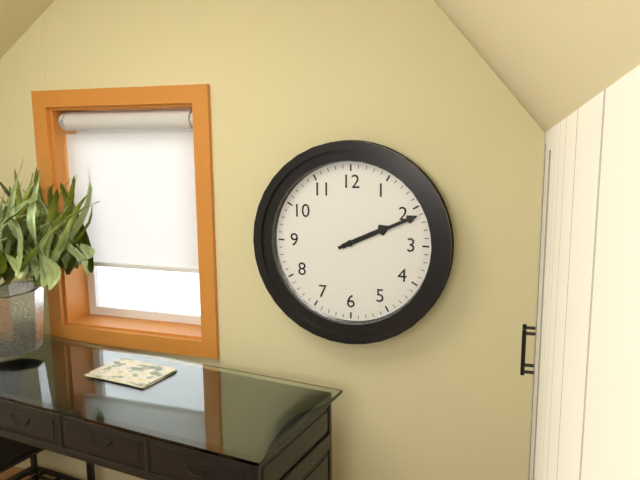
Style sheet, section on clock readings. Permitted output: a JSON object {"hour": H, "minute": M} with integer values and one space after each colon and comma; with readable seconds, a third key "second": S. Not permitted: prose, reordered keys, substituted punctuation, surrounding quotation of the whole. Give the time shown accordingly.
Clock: {"hour": 2, "minute": 11}
